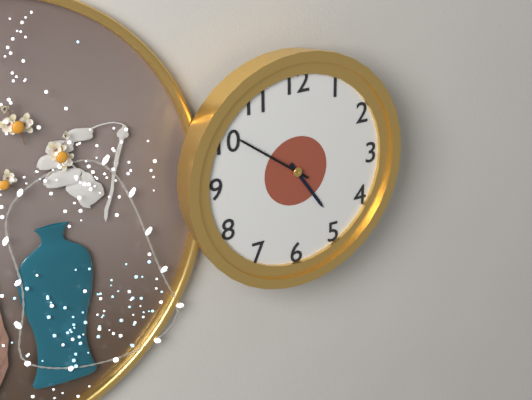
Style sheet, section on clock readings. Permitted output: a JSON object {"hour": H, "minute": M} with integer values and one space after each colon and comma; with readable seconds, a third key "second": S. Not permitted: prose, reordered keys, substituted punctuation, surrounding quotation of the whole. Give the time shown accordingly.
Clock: {"hour": 4, "minute": 51}
